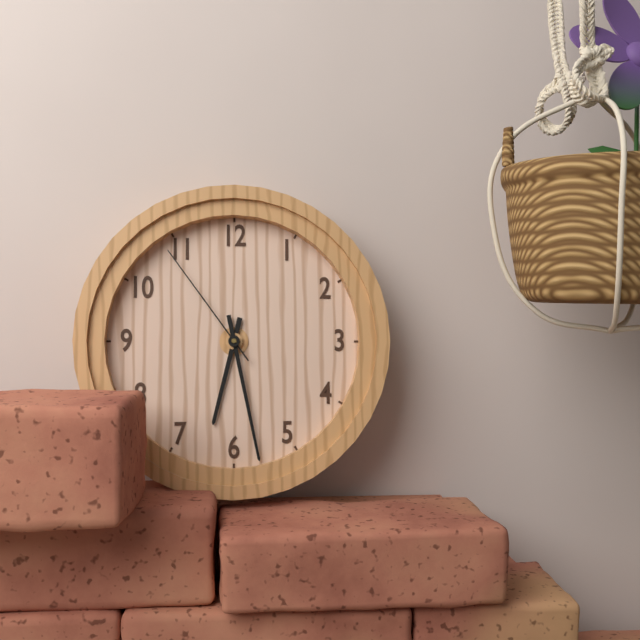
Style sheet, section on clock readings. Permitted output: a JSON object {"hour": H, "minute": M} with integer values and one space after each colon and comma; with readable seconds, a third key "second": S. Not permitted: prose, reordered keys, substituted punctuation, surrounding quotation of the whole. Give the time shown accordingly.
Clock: {"hour": 6, "minute": 28, "second": 54}
